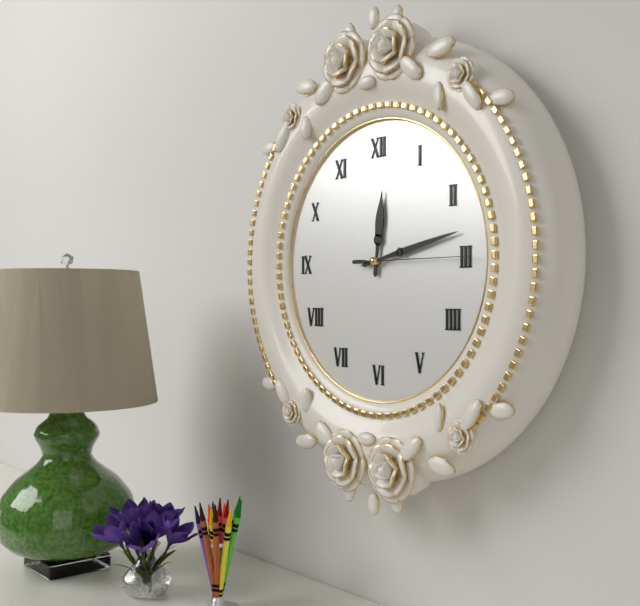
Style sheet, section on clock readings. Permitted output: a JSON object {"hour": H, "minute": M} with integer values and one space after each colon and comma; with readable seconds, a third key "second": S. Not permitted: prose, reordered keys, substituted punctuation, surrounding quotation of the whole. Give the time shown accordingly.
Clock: {"hour": 12, "minute": 13, "second": 15}
